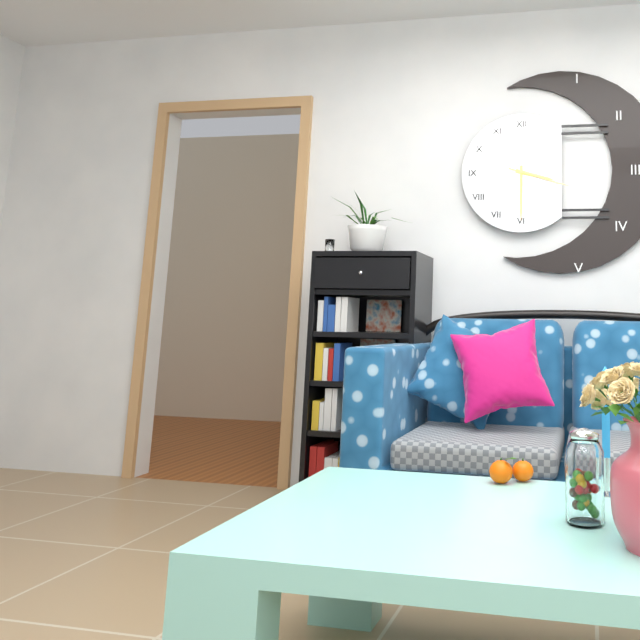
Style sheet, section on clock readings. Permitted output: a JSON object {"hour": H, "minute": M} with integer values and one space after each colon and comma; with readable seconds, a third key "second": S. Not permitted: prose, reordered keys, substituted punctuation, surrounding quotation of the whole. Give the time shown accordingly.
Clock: {"hour": 3, "minute": 30, "second": 18}
